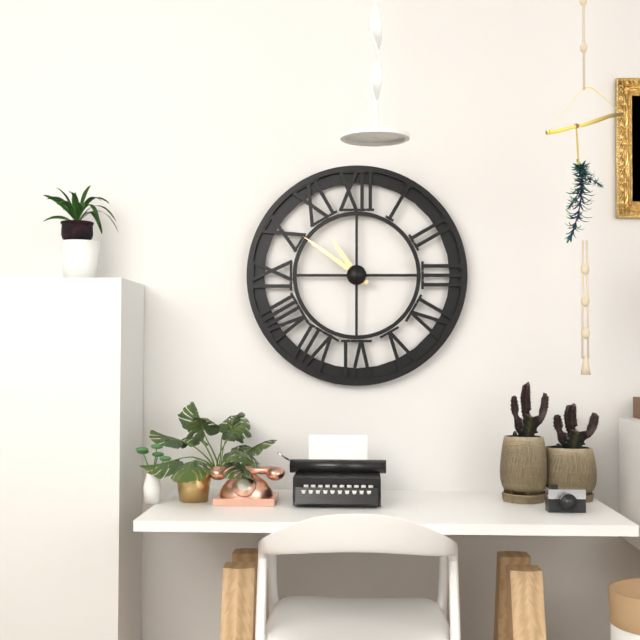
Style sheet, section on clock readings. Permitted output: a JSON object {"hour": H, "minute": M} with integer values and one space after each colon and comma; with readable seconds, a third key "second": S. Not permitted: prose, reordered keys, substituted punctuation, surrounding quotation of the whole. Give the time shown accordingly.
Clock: {"hour": 10, "minute": 51}
